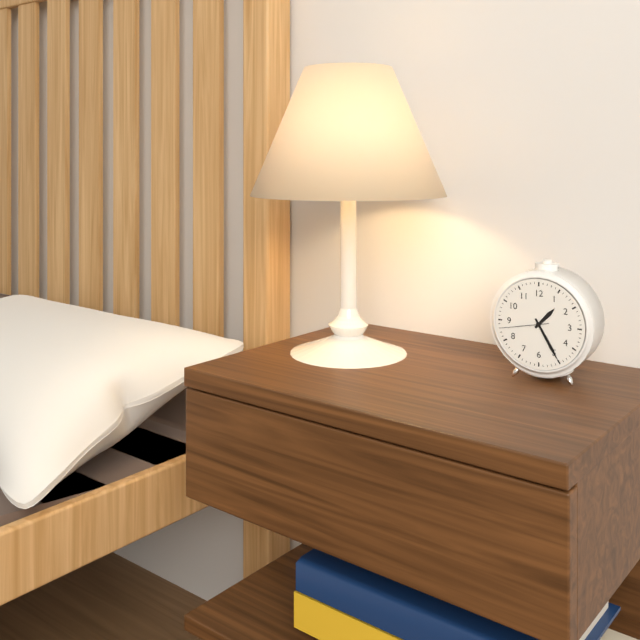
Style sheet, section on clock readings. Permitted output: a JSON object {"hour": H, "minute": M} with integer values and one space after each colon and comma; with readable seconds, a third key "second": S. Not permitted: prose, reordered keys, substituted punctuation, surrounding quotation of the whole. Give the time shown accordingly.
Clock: {"hour": 1, "minute": 25}
